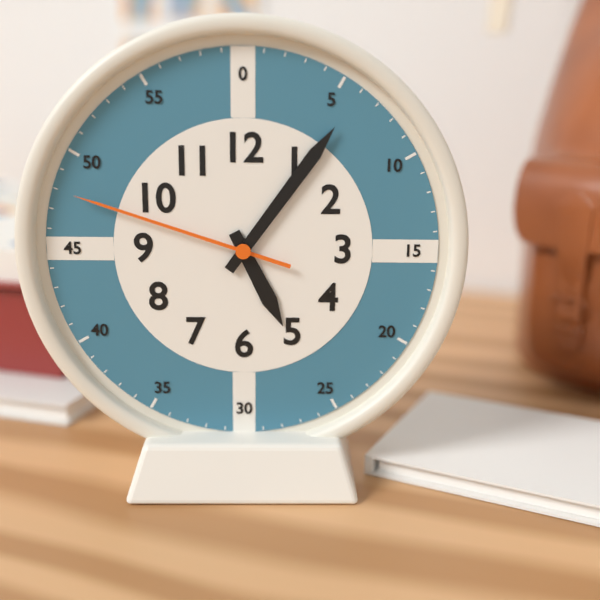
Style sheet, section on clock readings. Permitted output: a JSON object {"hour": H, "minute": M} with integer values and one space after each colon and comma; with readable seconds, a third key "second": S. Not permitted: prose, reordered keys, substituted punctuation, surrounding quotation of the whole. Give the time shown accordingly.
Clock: {"hour": 5, "minute": 6, "second": 48}
